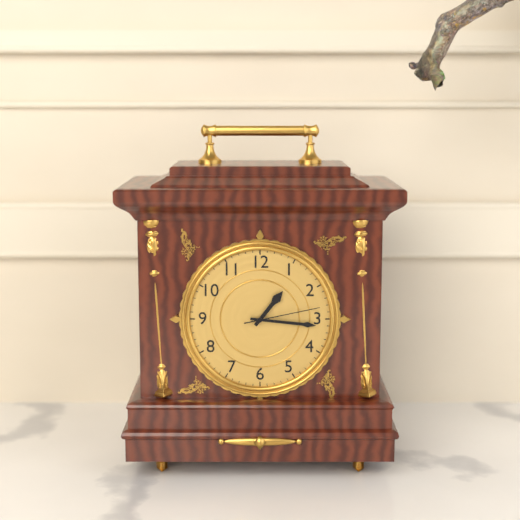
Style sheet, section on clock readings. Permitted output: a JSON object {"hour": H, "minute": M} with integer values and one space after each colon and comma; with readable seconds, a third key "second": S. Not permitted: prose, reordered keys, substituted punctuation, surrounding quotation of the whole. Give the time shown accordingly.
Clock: {"hour": 1, "minute": 16, "second": 13}
